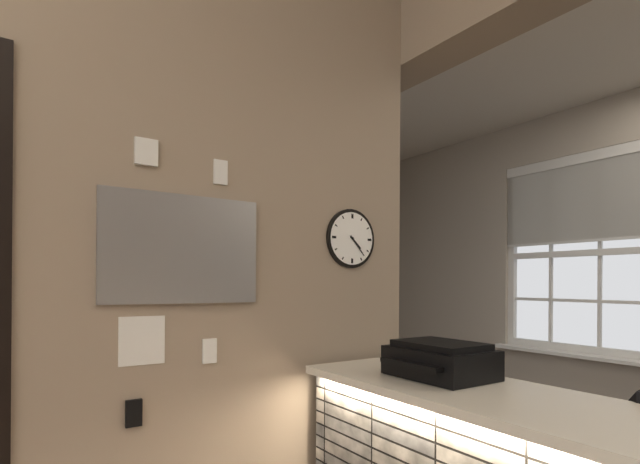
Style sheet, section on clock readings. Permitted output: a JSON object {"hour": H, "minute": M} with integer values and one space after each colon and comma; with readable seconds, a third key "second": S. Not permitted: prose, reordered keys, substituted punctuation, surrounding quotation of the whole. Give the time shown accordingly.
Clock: {"hour": 4, "minute": 23}
